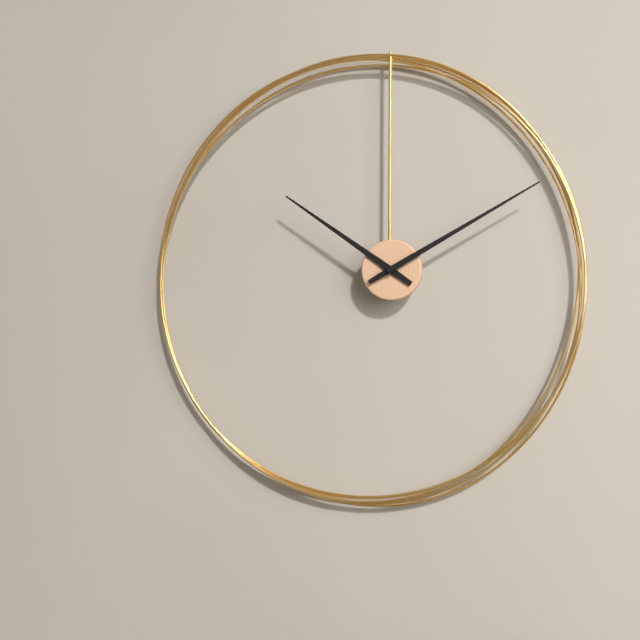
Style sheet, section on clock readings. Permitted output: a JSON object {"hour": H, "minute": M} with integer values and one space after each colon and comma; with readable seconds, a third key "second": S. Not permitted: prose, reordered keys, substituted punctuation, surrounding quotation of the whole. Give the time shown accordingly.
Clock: {"hour": 10, "minute": 10}
